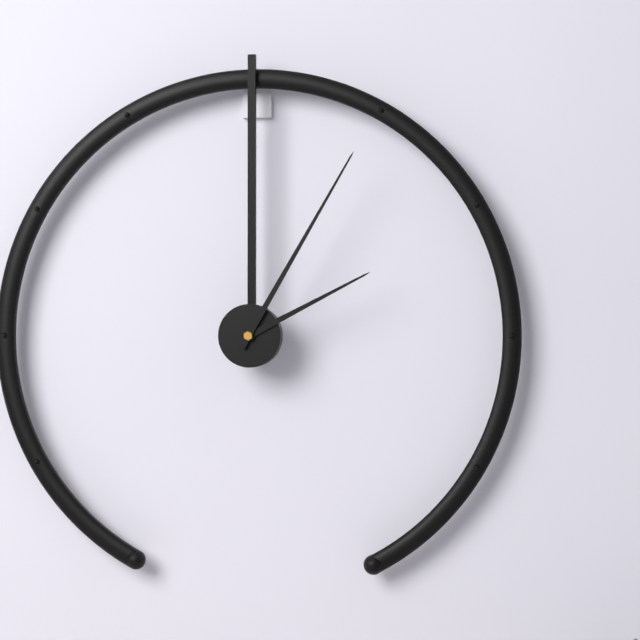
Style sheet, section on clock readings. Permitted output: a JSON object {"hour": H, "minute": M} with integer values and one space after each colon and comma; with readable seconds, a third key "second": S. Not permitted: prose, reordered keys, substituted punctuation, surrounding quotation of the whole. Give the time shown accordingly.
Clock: {"hour": 2, "minute": 5}
